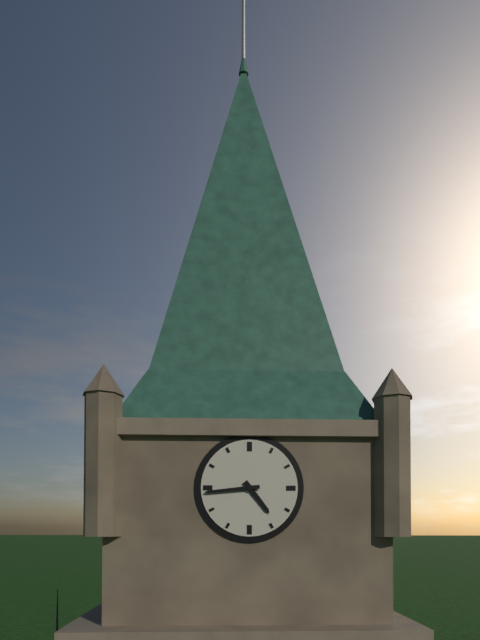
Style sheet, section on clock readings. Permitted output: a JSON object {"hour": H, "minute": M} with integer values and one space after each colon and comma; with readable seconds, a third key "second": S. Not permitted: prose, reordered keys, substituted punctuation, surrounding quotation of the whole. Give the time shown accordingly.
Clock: {"hour": 4, "minute": 44}
